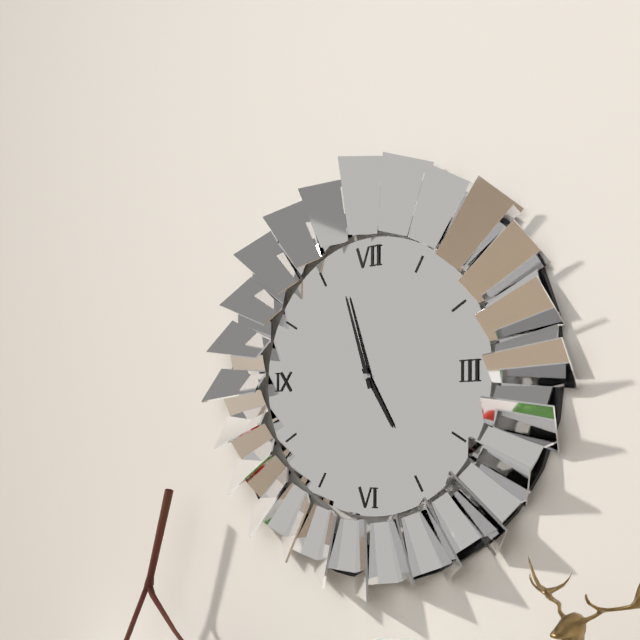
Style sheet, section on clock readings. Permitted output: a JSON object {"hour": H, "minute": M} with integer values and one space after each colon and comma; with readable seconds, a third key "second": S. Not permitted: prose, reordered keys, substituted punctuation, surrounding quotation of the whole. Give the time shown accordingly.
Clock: {"hour": 4, "minute": 57}
